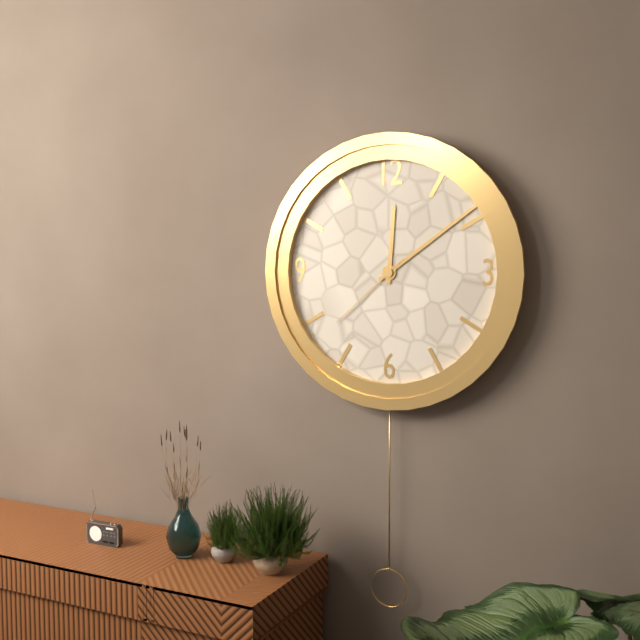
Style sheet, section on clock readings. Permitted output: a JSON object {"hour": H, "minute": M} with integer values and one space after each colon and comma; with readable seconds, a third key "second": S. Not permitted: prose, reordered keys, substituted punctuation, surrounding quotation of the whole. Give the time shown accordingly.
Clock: {"hour": 12, "minute": 9, "second": 38}
